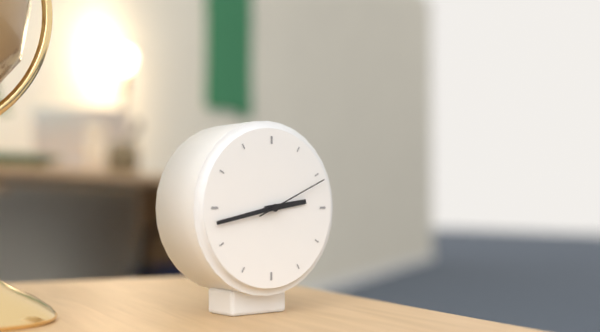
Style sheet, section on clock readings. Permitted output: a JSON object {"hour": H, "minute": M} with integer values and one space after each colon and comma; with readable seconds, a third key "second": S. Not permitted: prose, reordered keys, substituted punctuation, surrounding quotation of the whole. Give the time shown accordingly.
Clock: {"hour": 2, "minute": 43, "second": 11}
